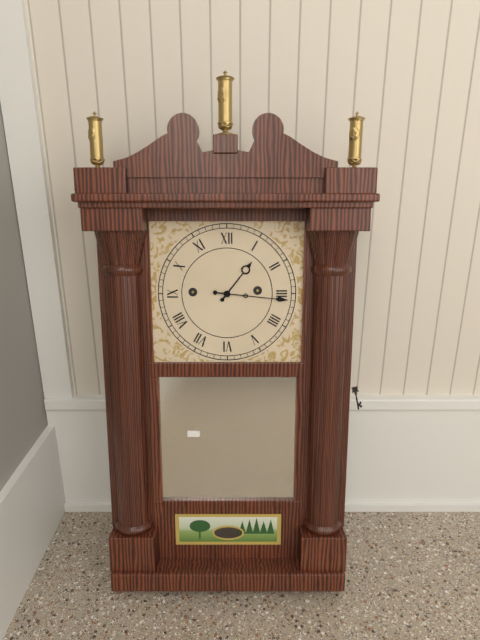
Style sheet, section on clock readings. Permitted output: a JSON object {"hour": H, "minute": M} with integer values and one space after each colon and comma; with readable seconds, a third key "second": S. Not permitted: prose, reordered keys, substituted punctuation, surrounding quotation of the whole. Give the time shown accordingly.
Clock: {"hour": 1, "minute": 16}
